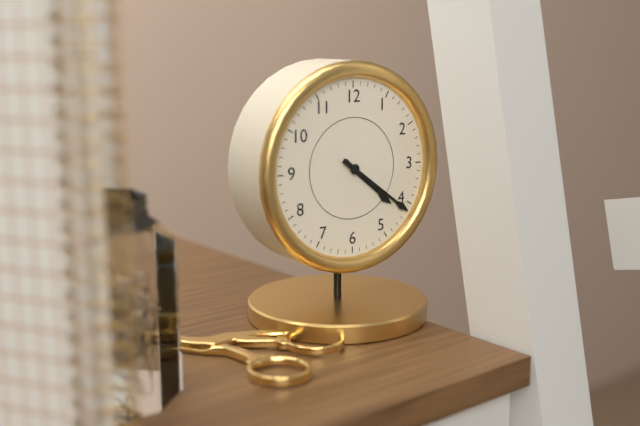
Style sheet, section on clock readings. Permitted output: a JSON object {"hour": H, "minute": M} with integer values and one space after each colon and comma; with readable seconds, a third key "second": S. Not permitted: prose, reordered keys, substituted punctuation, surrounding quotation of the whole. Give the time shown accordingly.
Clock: {"hour": 4, "minute": 21}
